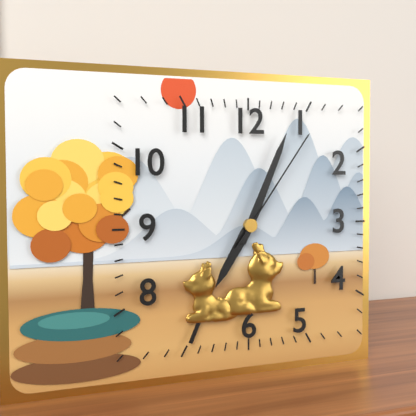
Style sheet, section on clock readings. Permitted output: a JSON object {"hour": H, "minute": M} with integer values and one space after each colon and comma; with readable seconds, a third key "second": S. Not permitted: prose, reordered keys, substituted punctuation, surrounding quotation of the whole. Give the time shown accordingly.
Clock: {"hour": 7, "minute": 4, "second": 6}
